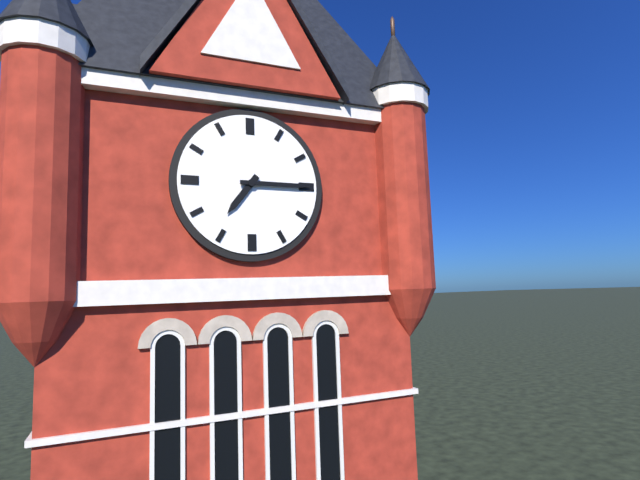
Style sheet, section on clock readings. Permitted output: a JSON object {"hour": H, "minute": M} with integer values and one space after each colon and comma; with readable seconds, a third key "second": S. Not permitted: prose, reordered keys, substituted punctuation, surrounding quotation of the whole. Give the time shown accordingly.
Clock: {"hour": 7, "minute": 15}
